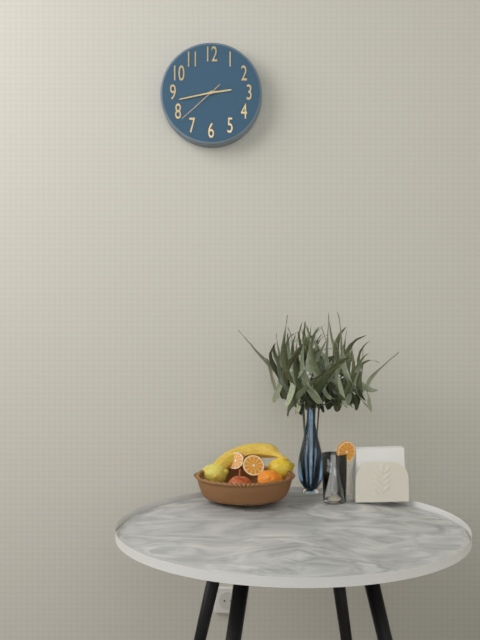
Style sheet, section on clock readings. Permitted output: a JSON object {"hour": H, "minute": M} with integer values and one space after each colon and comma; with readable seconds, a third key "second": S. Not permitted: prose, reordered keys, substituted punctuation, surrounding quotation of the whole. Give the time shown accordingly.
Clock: {"hour": 2, "minute": 43, "second": 38}
